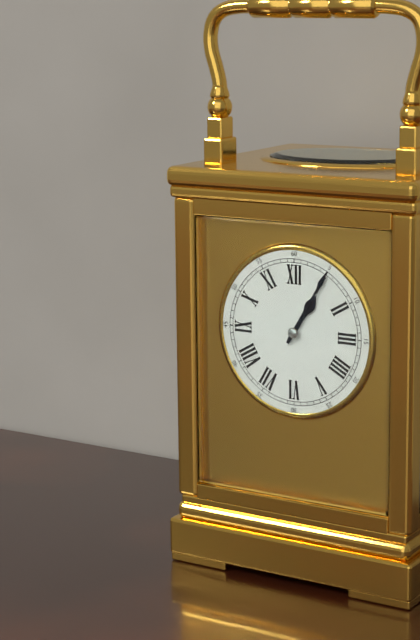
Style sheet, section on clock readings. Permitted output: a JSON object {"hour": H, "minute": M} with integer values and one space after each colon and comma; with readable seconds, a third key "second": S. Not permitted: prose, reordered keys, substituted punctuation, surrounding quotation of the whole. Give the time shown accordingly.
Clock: {"hour": 1, "minute": 5}
